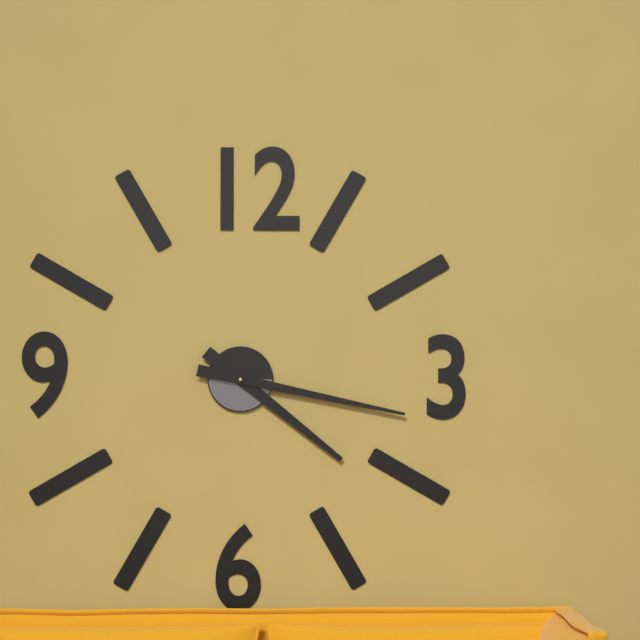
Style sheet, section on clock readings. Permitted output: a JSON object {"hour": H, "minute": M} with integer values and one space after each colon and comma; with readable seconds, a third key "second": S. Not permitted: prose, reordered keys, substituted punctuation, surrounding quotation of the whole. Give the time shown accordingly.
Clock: {"hour": 4, "minute": 17}
